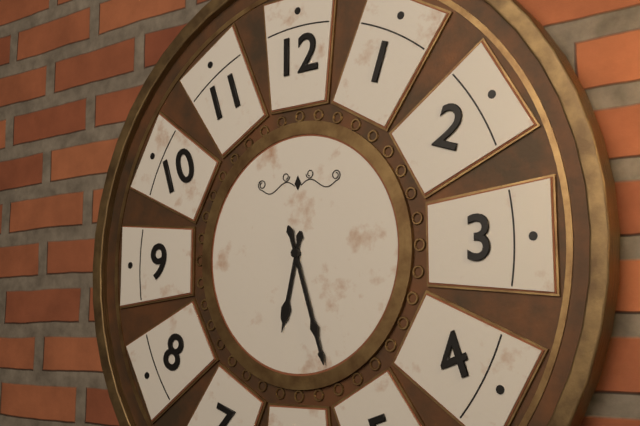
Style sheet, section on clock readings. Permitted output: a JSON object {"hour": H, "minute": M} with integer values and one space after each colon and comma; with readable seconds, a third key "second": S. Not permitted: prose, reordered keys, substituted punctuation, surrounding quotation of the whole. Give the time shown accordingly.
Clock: {"hour": 6, "minute": 27}
